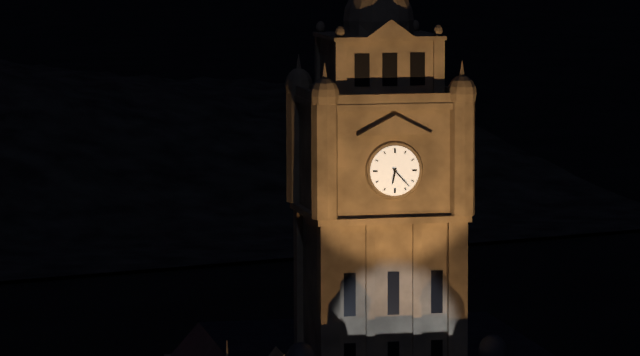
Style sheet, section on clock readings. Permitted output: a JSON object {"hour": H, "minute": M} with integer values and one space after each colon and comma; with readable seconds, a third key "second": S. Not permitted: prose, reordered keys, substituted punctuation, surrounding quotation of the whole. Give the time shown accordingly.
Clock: {"hour": 6, "minute": 23}
